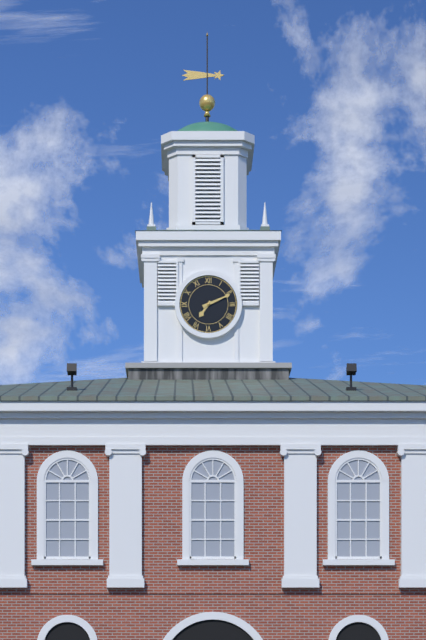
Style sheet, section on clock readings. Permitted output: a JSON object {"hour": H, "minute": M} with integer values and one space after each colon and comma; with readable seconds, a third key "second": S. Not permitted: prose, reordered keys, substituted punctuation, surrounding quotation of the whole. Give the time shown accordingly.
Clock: {"hour": 7, "minute": 11}
